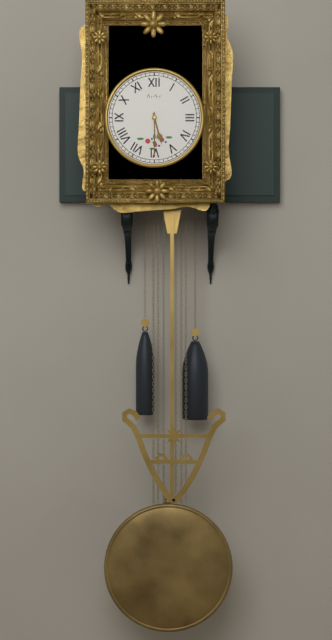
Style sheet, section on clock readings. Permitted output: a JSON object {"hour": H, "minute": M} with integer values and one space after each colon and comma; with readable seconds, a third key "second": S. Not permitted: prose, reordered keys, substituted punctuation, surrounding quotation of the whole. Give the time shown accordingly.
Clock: {"hour": 5, "minute": 30}
